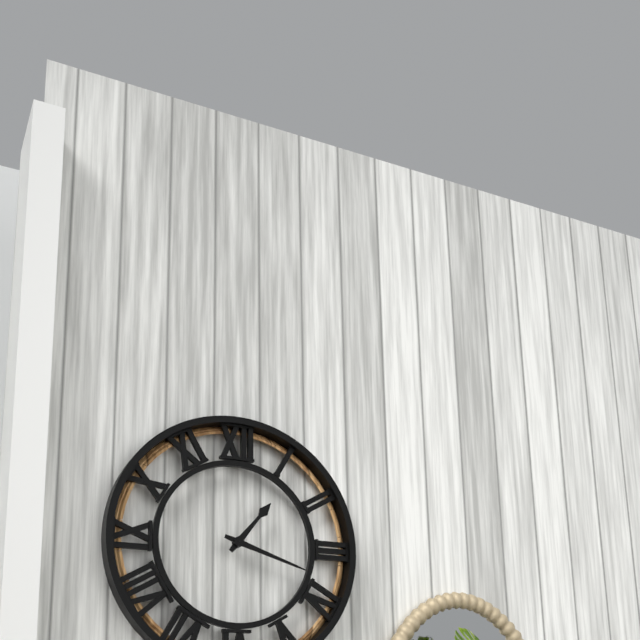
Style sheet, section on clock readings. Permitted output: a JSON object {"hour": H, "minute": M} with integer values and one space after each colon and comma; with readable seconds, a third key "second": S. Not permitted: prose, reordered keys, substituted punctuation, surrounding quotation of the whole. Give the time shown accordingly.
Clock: {"hour": 1, "minute": 18}
